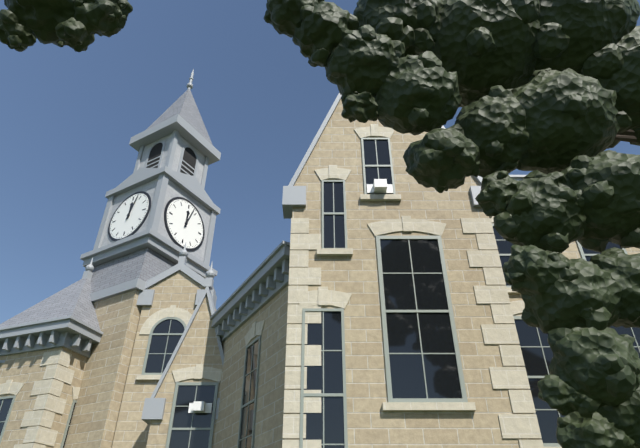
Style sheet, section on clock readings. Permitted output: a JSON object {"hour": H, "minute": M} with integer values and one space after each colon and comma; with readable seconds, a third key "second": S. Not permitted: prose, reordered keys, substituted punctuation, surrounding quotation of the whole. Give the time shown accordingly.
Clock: {"hour": 12, "minute": 3}
